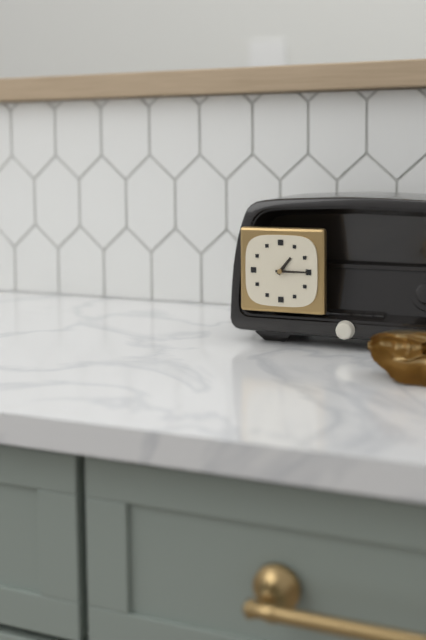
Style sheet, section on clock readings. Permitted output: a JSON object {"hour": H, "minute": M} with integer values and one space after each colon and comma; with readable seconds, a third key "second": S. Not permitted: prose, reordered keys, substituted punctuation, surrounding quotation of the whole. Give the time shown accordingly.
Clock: {"hour": 1, "minute": 15}
